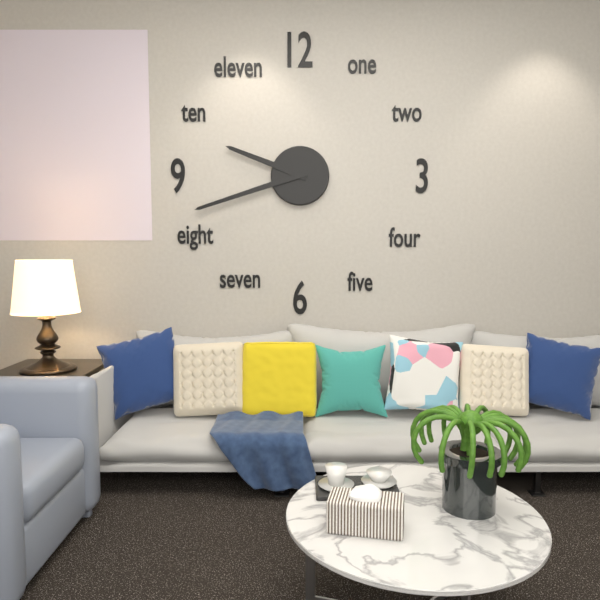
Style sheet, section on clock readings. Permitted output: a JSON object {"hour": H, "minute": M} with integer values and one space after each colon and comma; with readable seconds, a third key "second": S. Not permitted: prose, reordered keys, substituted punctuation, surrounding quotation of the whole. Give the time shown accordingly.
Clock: {"hour": 9, "minute": 42}
